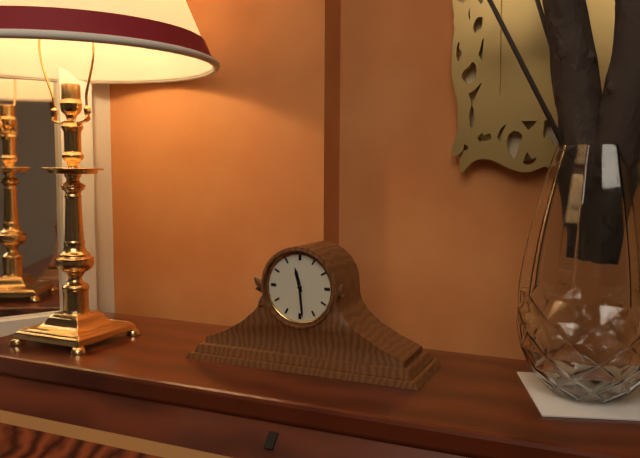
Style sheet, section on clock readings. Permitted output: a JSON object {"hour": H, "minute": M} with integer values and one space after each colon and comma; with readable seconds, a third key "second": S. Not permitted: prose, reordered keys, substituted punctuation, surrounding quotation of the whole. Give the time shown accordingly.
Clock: {"hour": 11, "minute": 29}
